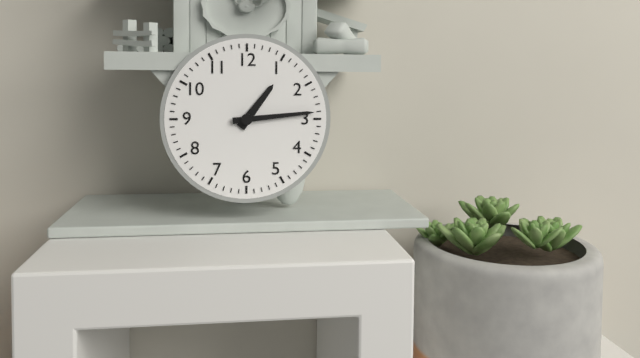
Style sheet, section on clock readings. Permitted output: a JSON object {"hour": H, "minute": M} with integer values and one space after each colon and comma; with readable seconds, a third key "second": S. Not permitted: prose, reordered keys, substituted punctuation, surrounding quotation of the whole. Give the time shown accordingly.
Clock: {"hour": 1, "minute": 14}
